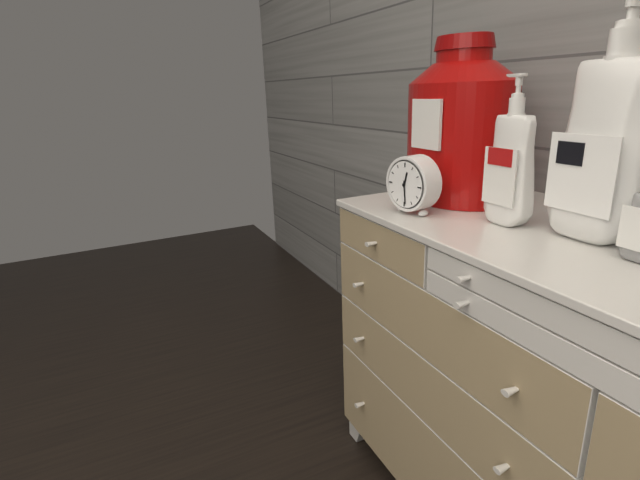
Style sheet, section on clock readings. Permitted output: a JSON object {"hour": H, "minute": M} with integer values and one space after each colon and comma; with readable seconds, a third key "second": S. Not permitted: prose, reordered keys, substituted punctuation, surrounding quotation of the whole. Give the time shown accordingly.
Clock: {"hour": 12, "minute": 29}
